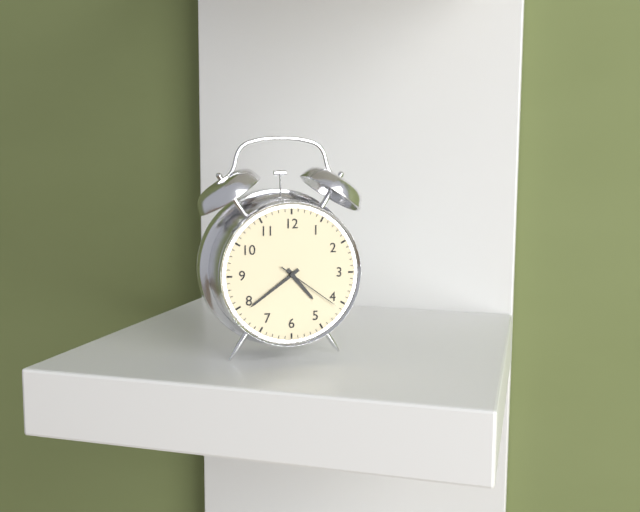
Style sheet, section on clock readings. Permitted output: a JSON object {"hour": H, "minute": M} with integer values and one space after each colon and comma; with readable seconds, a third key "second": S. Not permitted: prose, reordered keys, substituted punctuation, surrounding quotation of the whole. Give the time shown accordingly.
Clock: {"hour": 4, "minute": 39, "second": 21}
